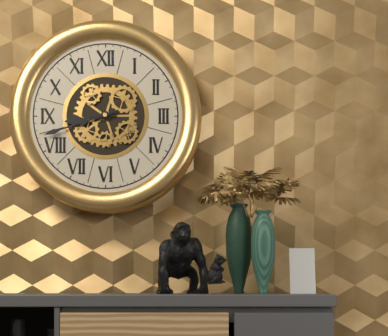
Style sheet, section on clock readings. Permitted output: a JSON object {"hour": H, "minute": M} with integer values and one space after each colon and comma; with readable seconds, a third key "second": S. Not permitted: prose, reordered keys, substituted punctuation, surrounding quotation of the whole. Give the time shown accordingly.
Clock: {"hour": 8, "minute": 42}
